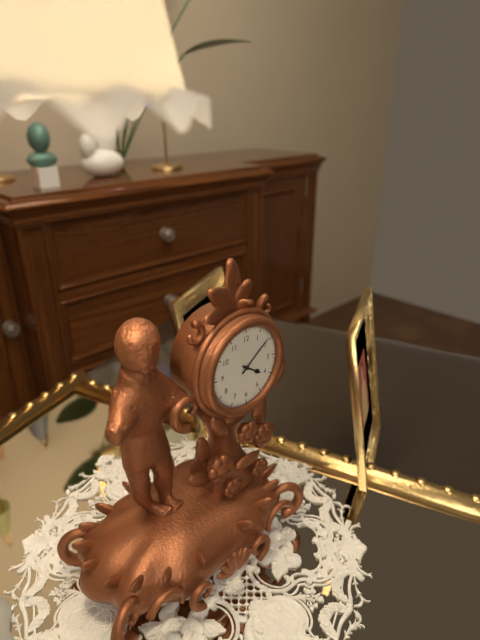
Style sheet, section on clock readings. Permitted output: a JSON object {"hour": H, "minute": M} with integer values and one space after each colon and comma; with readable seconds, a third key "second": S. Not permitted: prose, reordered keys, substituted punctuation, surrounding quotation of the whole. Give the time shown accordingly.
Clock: {"hour": 4, "minute": 9}
